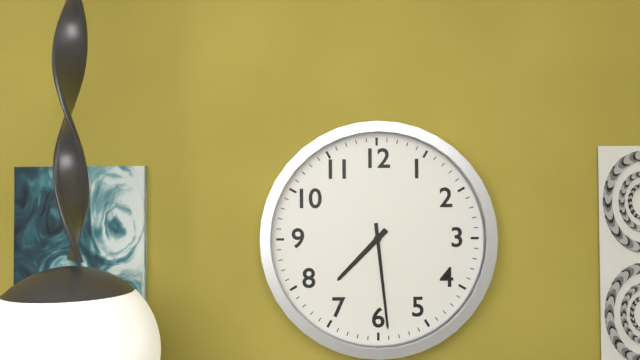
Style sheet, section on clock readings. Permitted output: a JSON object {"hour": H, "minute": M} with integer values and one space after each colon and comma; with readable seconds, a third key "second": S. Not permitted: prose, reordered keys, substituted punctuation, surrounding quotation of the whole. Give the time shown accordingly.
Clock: {"hour": 7, "minute": 29}
